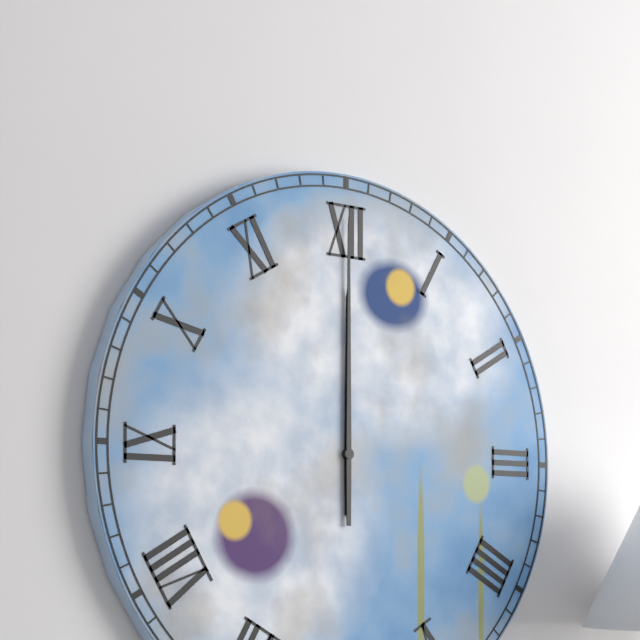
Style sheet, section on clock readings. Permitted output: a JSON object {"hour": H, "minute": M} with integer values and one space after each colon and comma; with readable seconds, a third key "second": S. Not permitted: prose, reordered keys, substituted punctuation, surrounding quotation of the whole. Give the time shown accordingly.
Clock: {"hour": 12, "minute": 0}
